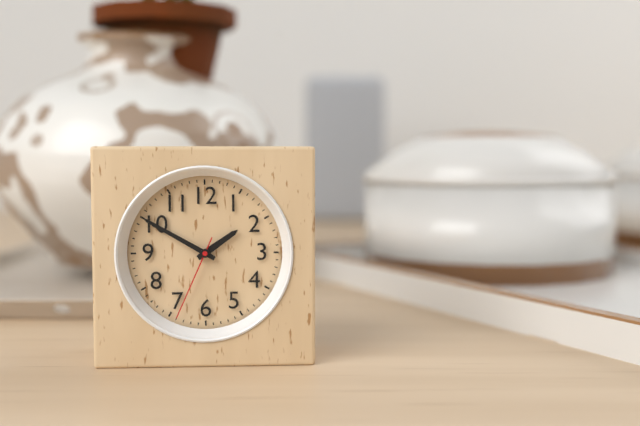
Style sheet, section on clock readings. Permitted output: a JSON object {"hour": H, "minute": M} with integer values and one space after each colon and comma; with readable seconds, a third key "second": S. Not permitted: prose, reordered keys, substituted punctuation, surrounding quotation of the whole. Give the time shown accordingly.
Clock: {"hour": 1, "minute": 50, "second": 34}
